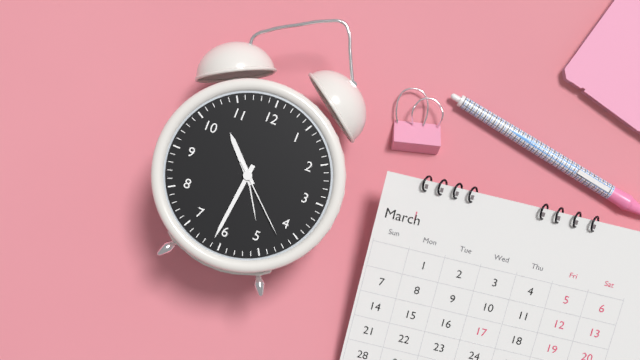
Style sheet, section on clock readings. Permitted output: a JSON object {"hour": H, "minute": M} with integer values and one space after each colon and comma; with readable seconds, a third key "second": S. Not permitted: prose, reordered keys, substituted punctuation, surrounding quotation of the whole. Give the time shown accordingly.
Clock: {"hour": 10, "minute": 31, "second": 22}
